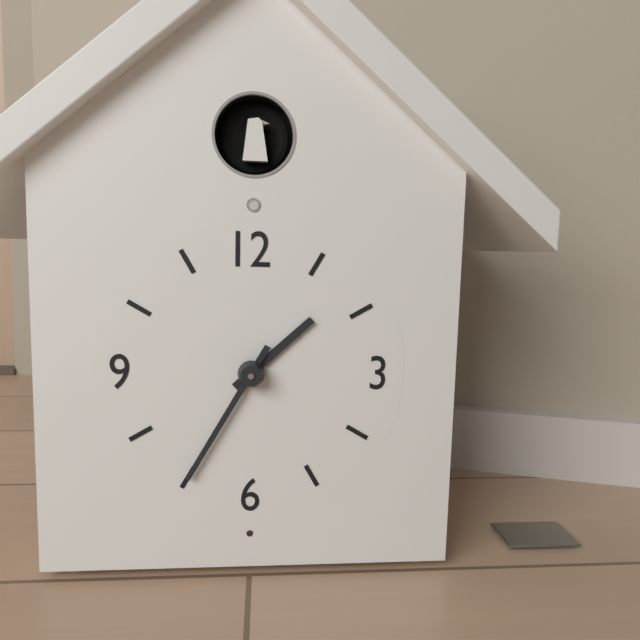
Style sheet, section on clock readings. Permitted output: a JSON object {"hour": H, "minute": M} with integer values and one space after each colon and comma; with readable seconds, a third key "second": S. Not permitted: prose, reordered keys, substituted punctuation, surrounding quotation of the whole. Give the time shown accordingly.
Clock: {"hour": 1, "minute": 35}
